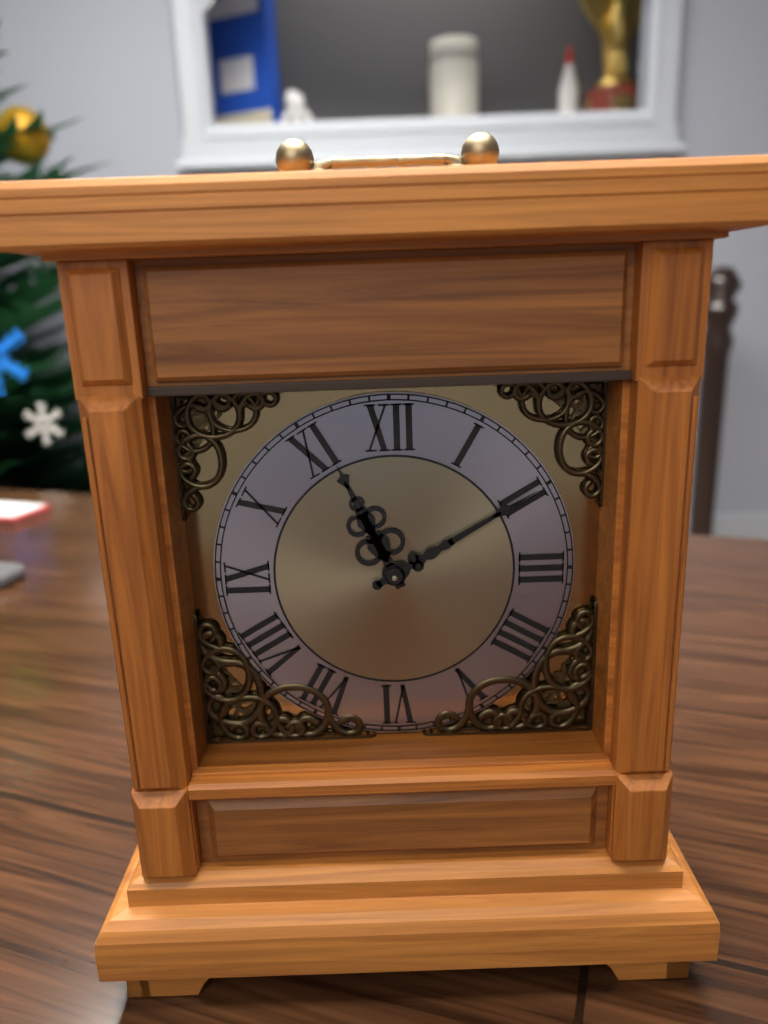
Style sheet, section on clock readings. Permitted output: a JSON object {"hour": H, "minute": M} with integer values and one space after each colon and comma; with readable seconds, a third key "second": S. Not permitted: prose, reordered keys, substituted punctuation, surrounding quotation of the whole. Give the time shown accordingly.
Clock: {"hour": 11, "minute": 10}
